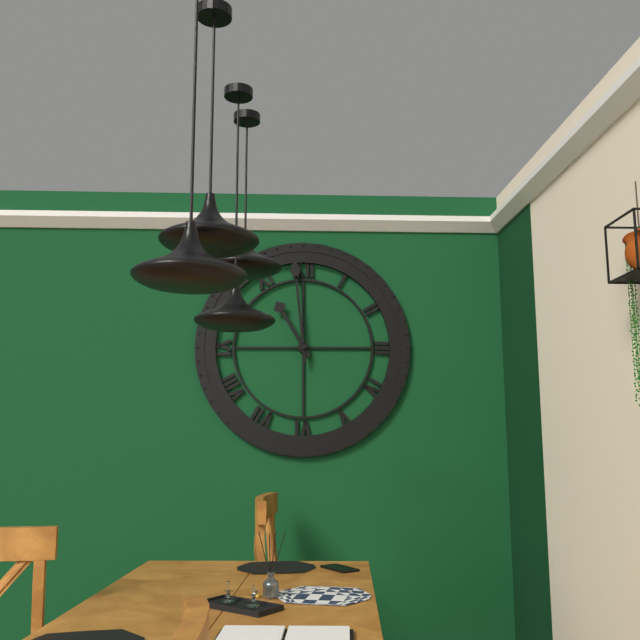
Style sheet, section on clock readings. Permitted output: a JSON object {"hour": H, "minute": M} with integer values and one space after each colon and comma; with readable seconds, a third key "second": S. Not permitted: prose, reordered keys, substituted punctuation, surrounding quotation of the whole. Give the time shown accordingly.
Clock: {"hour": 10, "minute": 59}
